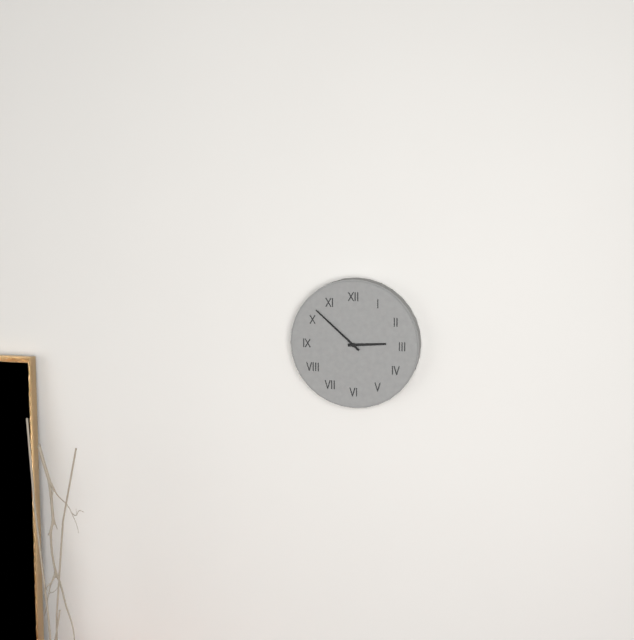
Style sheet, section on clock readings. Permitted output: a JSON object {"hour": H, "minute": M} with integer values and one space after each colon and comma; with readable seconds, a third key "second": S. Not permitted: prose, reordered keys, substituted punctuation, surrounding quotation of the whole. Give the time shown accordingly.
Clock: {"hour": 2, "minute": 52}
